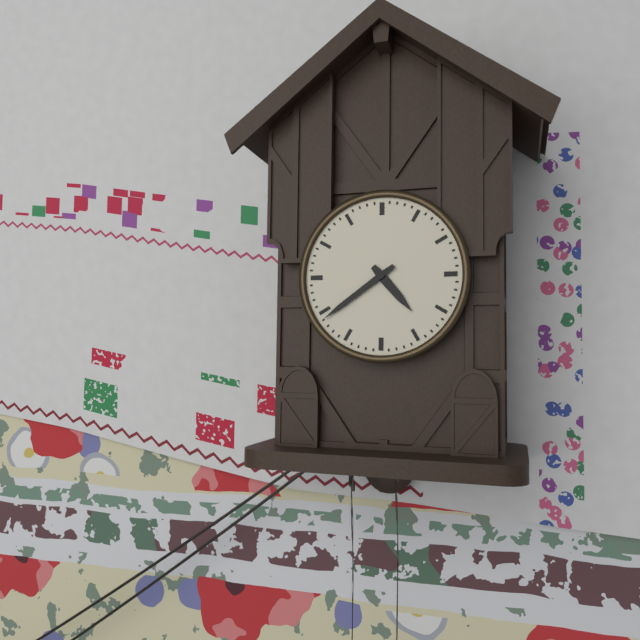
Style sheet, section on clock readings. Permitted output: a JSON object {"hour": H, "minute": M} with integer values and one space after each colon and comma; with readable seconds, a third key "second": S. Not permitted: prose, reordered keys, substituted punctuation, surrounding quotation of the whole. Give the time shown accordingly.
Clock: {"hour": 4, "minute": 39}
